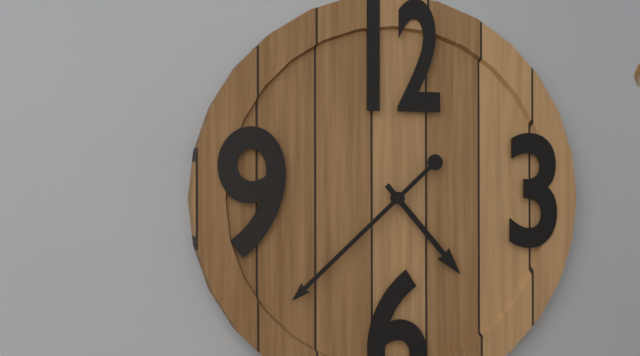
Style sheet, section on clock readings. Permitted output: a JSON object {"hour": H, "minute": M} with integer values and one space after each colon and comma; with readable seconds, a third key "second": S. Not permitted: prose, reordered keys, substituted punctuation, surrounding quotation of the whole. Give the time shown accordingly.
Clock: {"hour": 4, "minute": 38}
